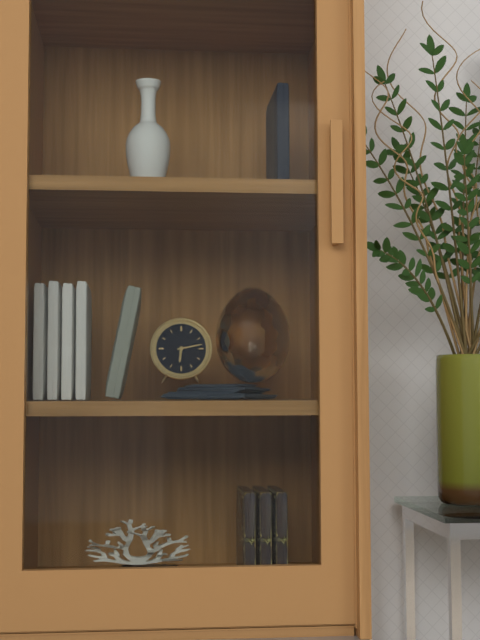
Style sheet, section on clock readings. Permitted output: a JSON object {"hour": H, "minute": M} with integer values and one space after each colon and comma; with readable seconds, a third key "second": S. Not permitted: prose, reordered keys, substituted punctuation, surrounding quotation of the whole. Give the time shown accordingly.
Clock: {"hour": 6, "minute": 13}
